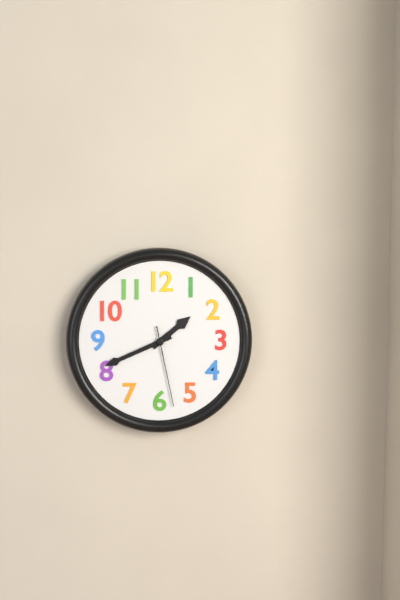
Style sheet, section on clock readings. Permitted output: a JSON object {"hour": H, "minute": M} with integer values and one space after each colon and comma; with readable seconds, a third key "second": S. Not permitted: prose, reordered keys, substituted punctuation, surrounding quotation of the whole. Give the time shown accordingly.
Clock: {"hour": 1, "minute": 41, "second": 28}
